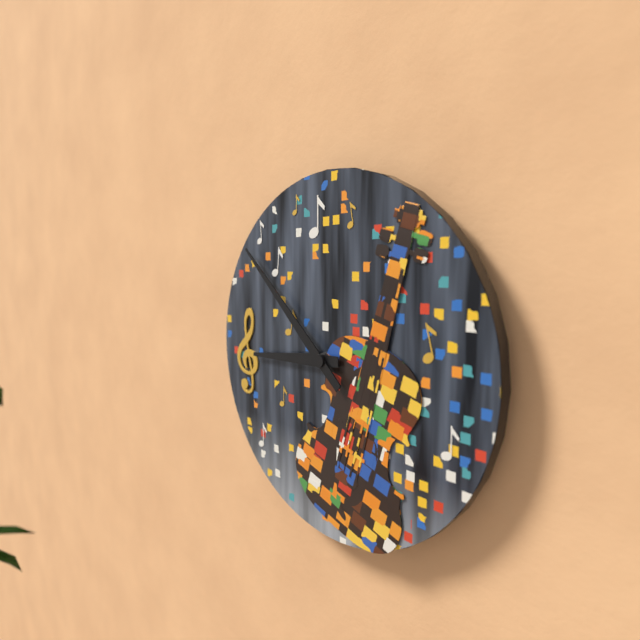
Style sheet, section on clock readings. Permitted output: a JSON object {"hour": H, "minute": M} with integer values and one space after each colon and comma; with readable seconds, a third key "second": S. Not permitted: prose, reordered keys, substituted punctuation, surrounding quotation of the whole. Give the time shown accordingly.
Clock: {"hour": 8, "minute": 52}
